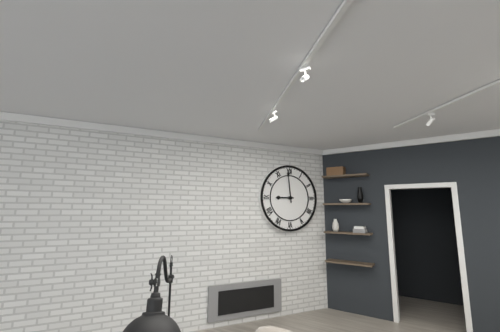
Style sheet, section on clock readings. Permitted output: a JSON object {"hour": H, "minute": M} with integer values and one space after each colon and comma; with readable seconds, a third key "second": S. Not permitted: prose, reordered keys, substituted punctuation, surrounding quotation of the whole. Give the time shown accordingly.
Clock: {"hour": 8, "minute": 59}
